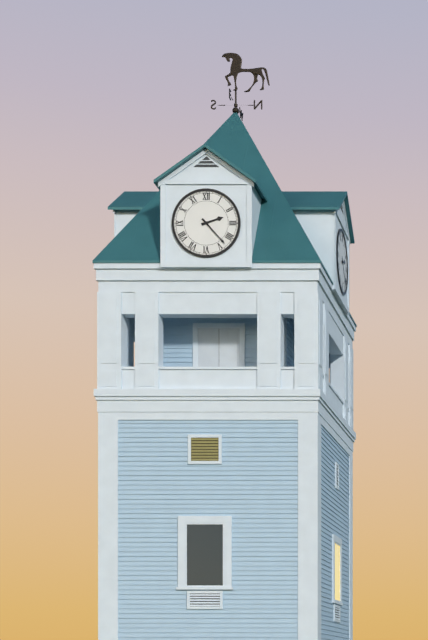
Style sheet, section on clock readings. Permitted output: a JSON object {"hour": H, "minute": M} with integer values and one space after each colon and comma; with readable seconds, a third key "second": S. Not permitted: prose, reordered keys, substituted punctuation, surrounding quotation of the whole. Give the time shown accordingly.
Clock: {"hour": 2, "minute": 23}
